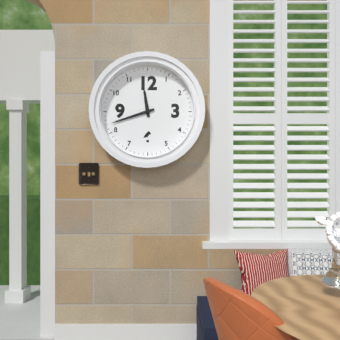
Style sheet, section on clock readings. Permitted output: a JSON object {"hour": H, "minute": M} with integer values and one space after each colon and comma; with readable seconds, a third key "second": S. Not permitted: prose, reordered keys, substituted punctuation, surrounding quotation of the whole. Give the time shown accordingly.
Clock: {"hour": 11, "minute": 42}
